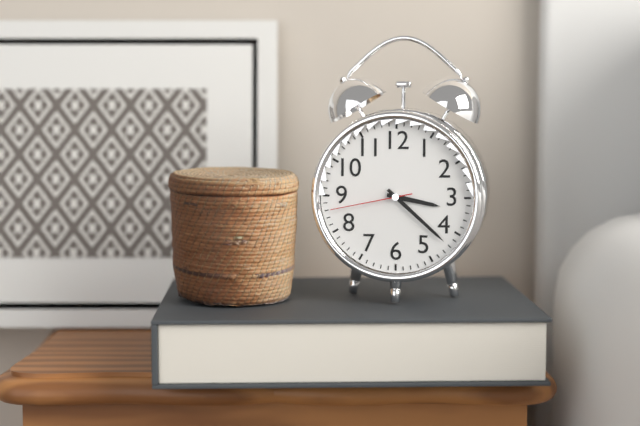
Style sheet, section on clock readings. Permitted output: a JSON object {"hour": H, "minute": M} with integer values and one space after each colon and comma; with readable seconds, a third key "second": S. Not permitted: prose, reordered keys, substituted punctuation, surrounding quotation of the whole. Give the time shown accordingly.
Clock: {"hour": 3, "minute": 22, "second": 43}
